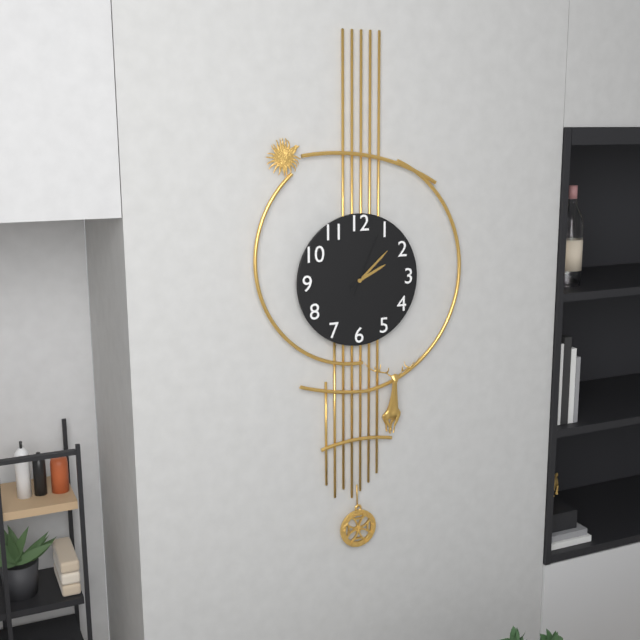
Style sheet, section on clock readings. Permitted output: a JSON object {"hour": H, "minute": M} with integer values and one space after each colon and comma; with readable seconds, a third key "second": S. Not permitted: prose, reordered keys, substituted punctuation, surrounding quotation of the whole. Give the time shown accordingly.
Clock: {"hour": 2, "minute": 8, "second": 4}
